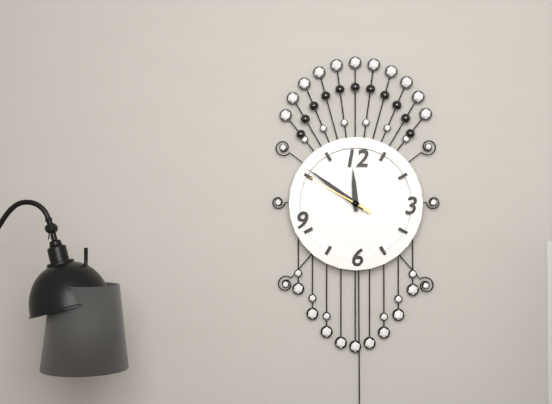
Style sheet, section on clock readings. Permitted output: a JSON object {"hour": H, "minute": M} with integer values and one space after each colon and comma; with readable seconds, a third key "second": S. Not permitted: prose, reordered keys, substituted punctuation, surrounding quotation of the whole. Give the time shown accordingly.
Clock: {"hour": 11, "minute": 51, "second": 50}
